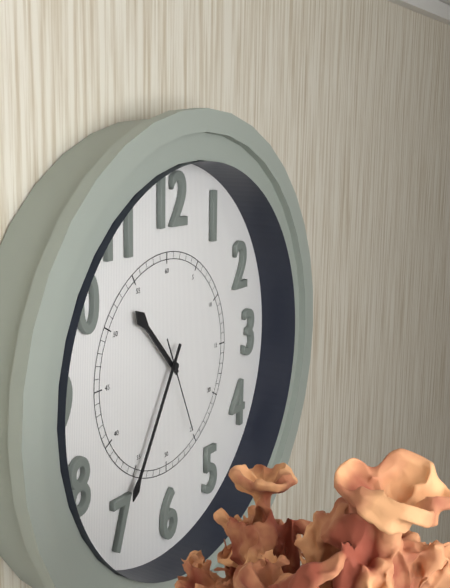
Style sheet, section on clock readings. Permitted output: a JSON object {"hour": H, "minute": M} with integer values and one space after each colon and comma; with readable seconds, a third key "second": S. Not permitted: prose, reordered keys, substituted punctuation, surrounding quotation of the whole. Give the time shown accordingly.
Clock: {"hour": 10, "minute": 35, "second": 26}
